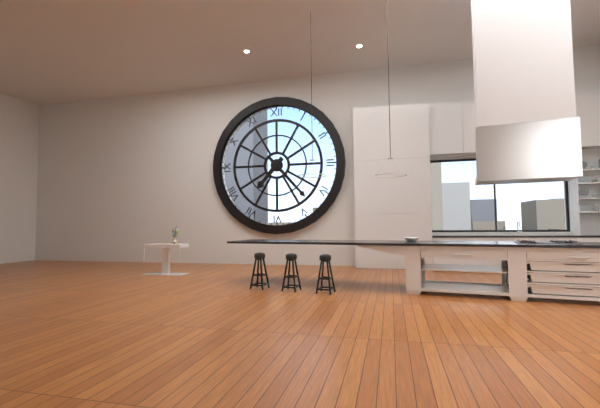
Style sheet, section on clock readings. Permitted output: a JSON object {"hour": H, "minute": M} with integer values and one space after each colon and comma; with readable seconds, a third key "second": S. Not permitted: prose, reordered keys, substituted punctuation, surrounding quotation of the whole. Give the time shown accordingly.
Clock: {"hour": 7, "minute": 23}
